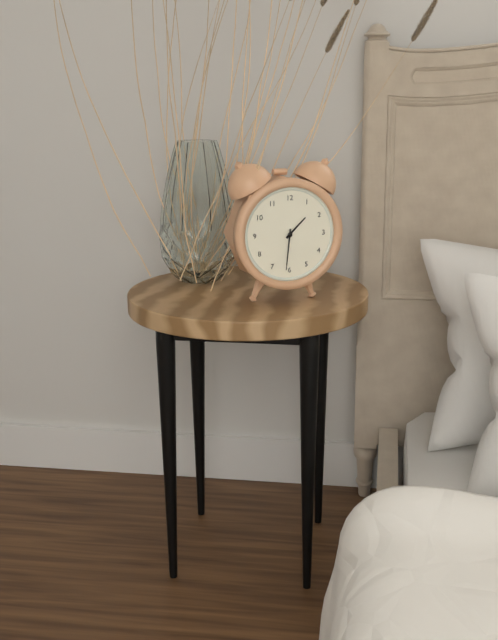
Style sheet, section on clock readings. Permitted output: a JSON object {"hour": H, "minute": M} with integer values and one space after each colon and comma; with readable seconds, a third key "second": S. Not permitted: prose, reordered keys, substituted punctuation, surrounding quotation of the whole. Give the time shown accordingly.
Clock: {"hour": 1, "minute": 31}
